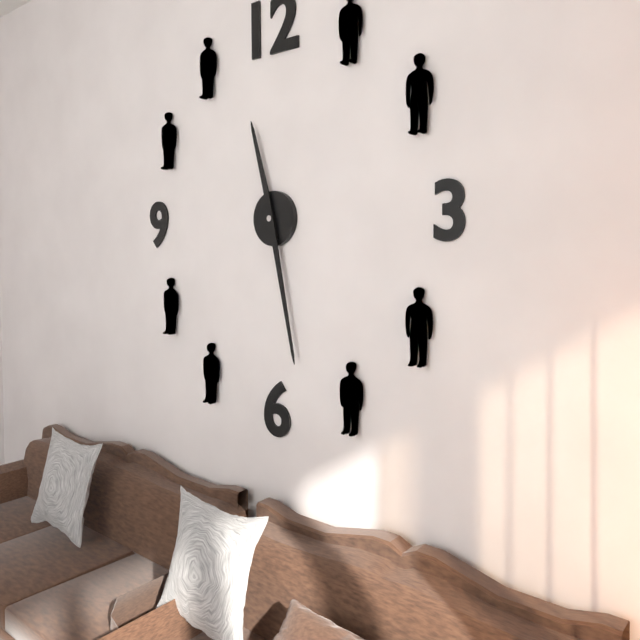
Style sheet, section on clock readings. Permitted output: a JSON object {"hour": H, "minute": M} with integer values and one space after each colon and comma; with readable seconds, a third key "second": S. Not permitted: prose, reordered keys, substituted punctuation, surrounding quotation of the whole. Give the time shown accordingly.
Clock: {"hour": 11, "minute": 28}
